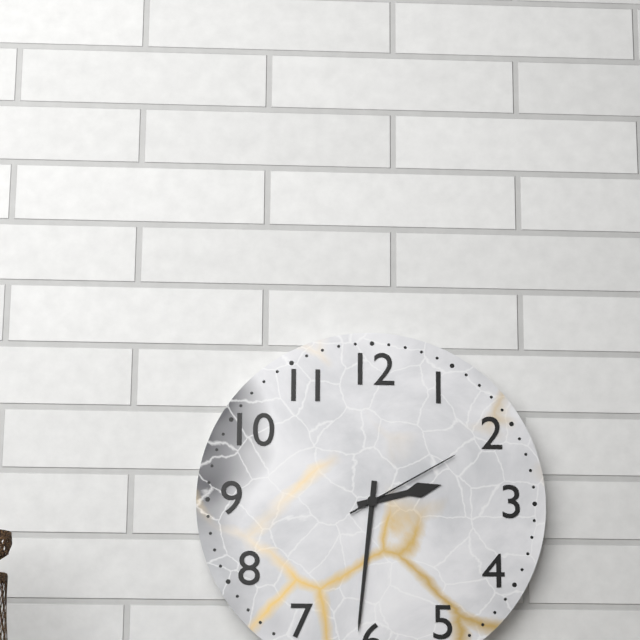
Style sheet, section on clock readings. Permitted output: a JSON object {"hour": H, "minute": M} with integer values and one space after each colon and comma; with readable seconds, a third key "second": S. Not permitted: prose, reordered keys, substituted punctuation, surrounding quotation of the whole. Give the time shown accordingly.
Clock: {"hour": 2, "minute": 31, "second": 10}
